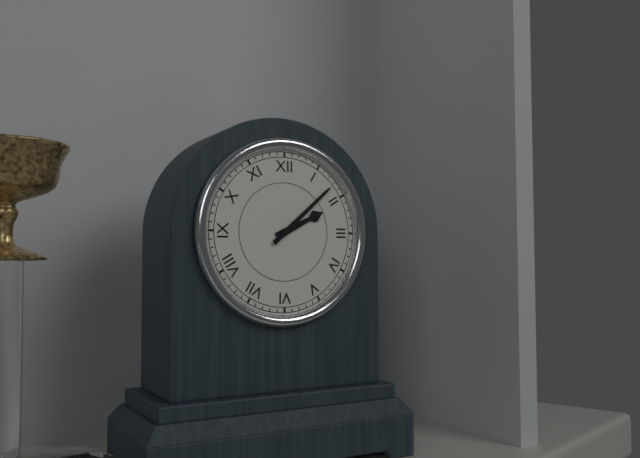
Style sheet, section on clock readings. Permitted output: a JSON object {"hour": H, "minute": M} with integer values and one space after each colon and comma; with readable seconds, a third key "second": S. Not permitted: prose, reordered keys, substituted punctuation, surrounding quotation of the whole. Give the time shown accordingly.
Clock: {"hour": 2, "minute": 8}
